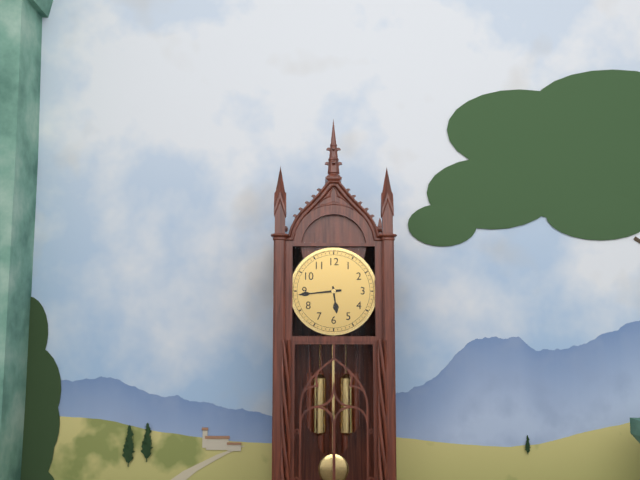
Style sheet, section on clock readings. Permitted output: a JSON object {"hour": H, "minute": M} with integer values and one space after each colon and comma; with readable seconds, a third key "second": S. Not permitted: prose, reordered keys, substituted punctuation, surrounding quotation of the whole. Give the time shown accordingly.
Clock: {"hour": 5, "minute": 44}
